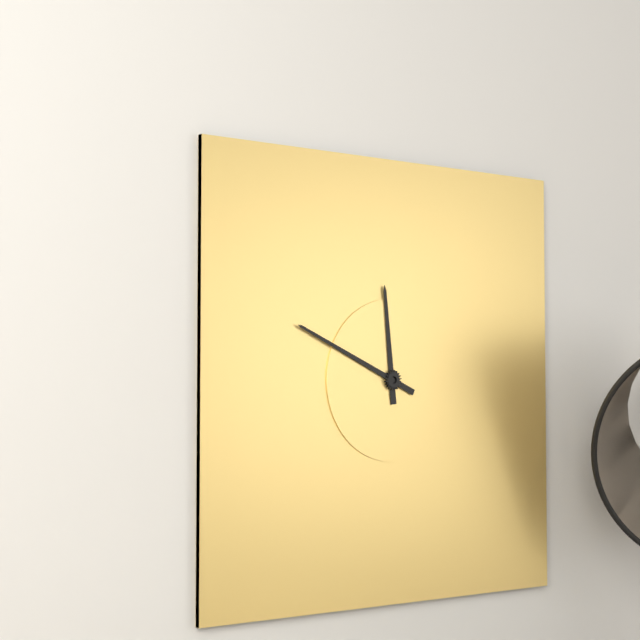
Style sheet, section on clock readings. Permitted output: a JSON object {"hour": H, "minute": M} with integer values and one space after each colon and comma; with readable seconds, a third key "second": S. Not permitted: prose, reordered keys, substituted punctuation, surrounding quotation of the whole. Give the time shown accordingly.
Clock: {"hour": 11, "minute": 49}
